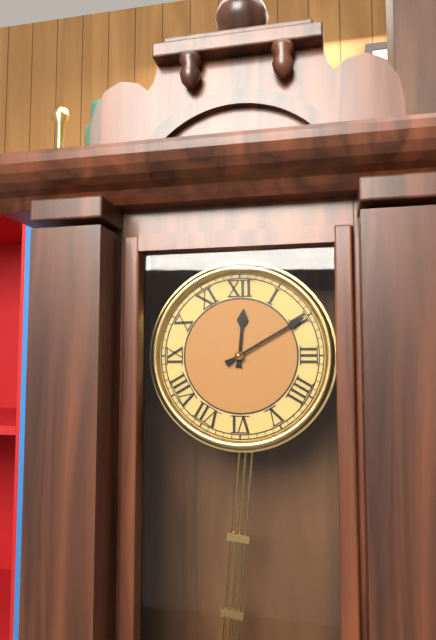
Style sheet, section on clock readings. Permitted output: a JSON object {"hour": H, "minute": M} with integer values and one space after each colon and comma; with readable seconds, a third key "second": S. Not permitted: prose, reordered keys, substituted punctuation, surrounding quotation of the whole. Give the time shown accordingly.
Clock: {"hour": 12, "minute": 10}
